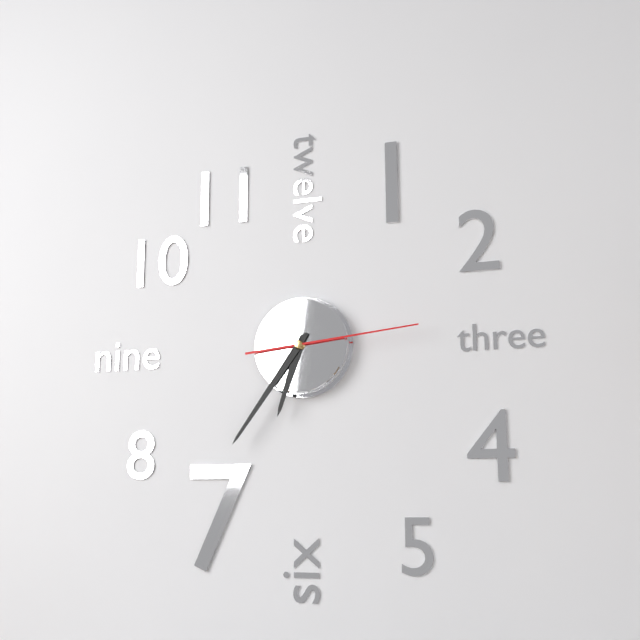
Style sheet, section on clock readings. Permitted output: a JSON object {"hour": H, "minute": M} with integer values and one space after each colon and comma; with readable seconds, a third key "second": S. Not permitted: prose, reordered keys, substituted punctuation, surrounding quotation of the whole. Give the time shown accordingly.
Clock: {"hour": 6, "minute": 36, "second": 14}
